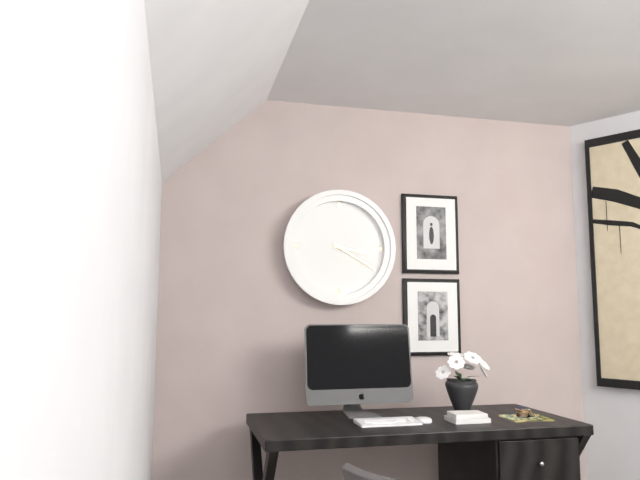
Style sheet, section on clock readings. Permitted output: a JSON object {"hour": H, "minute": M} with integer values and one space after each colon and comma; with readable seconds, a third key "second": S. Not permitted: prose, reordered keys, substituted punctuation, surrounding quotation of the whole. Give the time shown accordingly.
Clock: {"hour": 3, "minute": 20}
